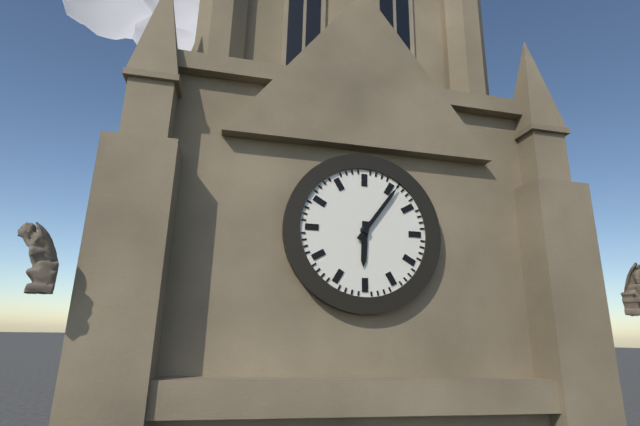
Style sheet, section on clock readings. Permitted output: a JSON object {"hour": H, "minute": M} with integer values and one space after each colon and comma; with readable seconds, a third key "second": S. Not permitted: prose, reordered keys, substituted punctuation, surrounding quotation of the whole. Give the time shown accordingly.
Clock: {"hour": 6, "minute": 6}
